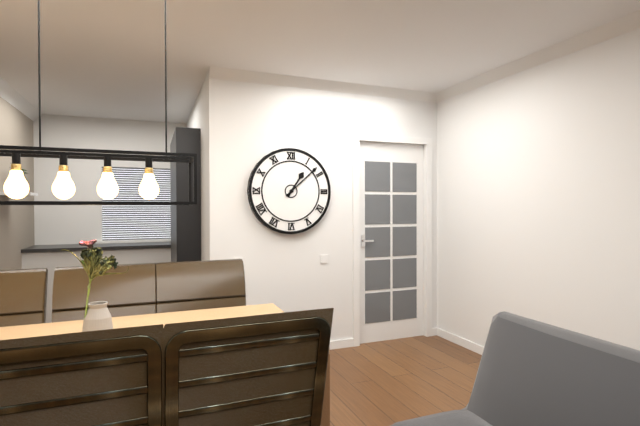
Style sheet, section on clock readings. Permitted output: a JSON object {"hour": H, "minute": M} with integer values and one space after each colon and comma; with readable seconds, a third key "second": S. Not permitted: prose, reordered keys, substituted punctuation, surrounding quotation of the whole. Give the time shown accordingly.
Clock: {"hour": 1, "minute": 8}
